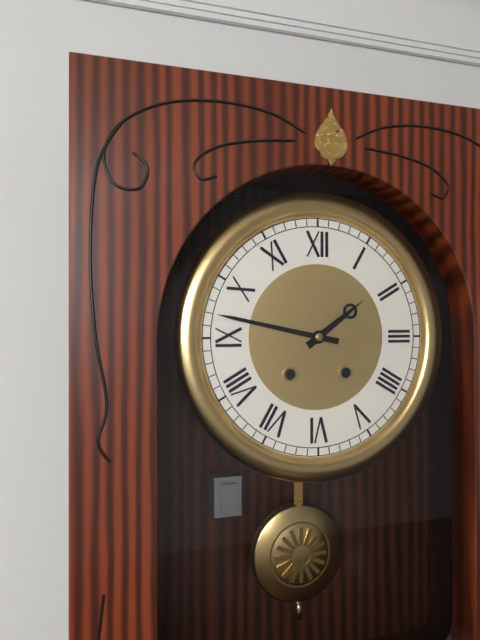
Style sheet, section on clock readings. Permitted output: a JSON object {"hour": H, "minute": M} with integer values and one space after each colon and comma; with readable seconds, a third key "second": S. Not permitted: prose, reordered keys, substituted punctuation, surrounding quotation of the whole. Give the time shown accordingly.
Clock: {"hour": 1, "minute": 47}
